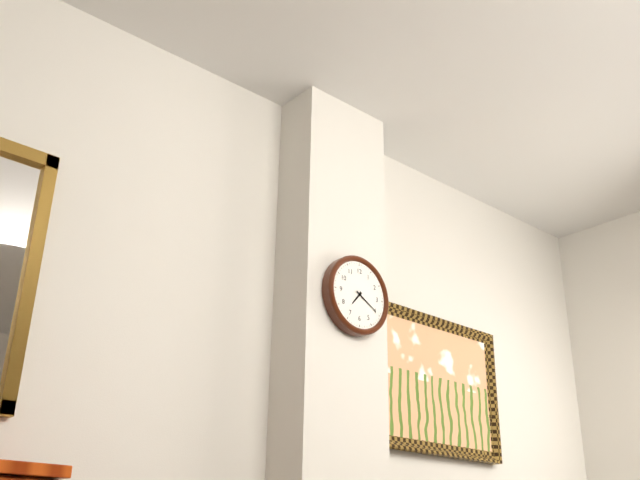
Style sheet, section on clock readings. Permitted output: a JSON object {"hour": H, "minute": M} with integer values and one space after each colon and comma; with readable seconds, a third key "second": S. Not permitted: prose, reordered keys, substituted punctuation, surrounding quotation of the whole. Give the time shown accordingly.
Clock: {"hour": 7, "minute": 20}
